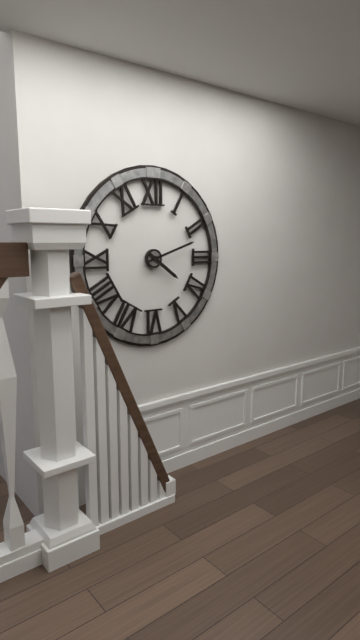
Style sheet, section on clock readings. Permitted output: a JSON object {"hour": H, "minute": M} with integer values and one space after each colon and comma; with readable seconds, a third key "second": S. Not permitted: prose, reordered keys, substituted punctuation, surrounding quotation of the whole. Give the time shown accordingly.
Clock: {"hour": 4, "minute": 12}
